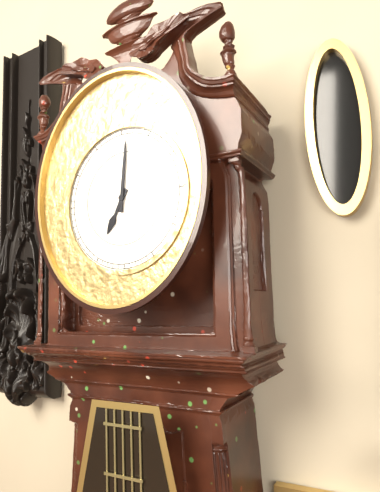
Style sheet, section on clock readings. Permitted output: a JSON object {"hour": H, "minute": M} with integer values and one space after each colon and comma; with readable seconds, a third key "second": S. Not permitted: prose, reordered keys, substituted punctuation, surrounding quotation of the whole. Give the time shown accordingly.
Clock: {"hour": 7, "minute": 1}
